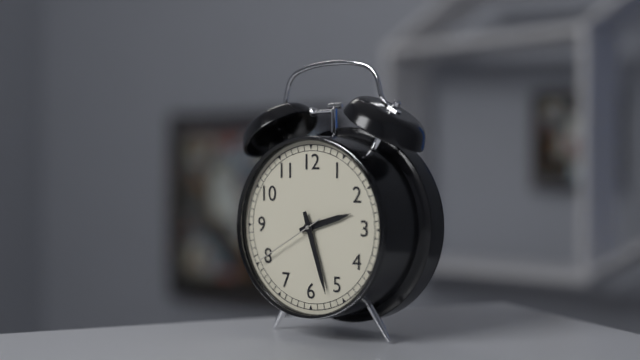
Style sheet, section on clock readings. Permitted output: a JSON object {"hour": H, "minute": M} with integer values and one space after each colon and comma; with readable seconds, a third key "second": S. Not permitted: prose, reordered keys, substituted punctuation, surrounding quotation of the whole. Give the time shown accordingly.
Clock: {"hour": 2, "minute": 27, "second": 40}
